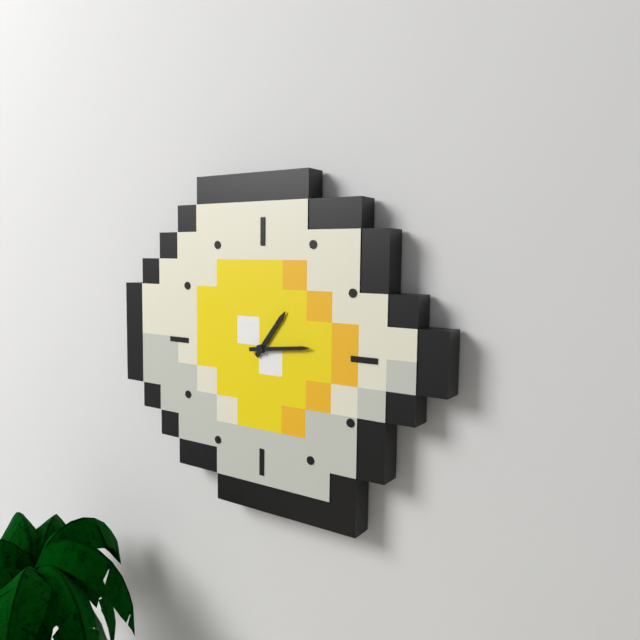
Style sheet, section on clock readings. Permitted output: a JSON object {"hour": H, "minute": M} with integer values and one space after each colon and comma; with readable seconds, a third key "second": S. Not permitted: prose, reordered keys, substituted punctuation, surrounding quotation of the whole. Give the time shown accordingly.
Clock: {"hour": 1, "minute": 14}
